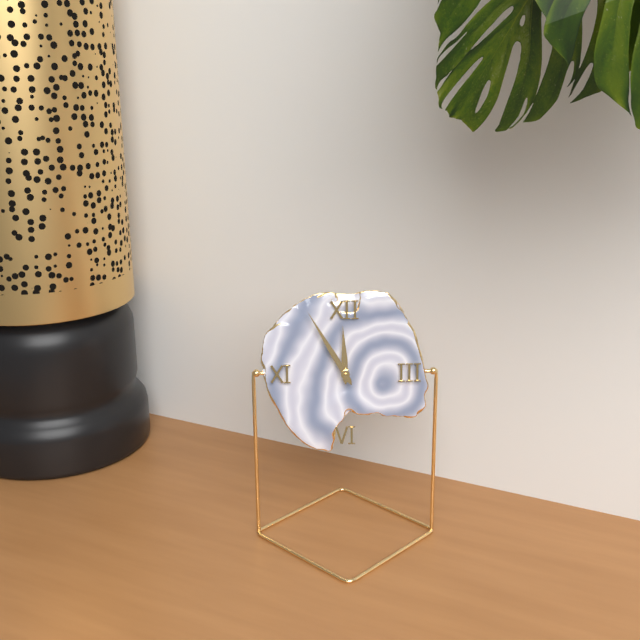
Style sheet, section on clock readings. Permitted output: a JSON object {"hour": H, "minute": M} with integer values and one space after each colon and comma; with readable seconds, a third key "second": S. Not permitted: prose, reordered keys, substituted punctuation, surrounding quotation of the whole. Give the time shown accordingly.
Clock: {"hour": 11, "minute": 55}
